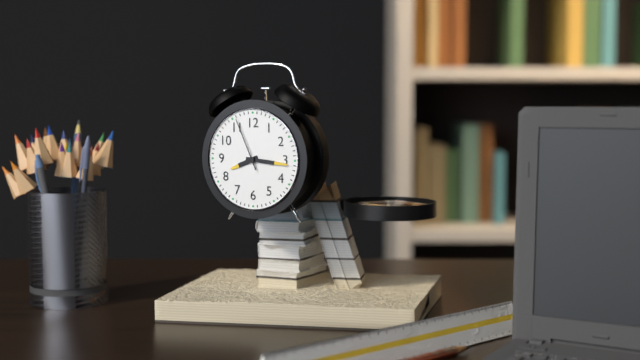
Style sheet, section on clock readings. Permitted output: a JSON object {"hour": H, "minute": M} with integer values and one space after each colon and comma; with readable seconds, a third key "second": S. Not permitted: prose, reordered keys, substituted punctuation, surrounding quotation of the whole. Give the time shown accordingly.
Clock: {"hour": 8, "minute": 16, "second": 56}
